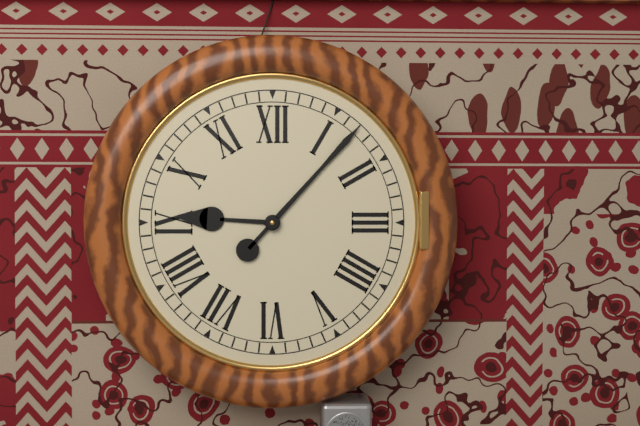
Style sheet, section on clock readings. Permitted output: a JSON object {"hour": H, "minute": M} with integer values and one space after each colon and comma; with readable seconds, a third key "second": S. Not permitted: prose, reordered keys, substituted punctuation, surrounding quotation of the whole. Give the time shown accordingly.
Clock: {"hour": 9, "minute": 7}
